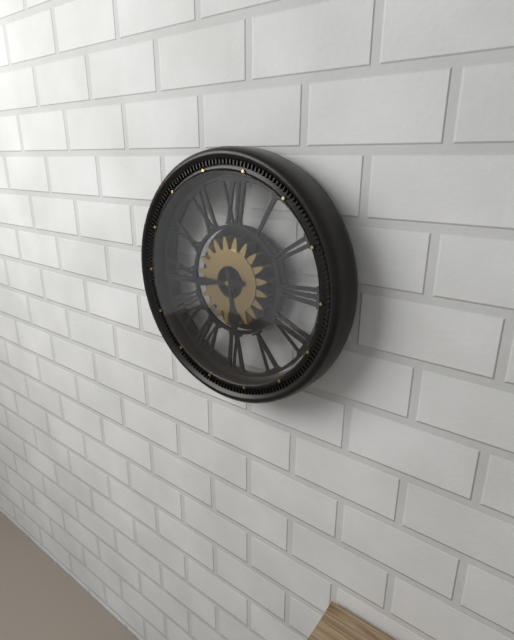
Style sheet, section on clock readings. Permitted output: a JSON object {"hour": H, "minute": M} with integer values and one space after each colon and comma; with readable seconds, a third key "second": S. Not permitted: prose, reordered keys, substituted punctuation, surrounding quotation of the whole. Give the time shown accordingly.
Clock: {"hour": 5, "minute": 44}
